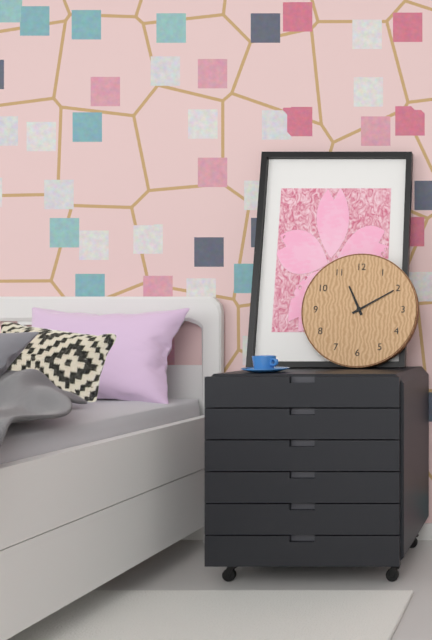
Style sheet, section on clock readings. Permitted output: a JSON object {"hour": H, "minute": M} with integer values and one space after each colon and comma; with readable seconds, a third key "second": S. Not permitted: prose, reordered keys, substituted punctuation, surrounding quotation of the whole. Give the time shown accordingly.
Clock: {"hour": 11, "minute": 10}
